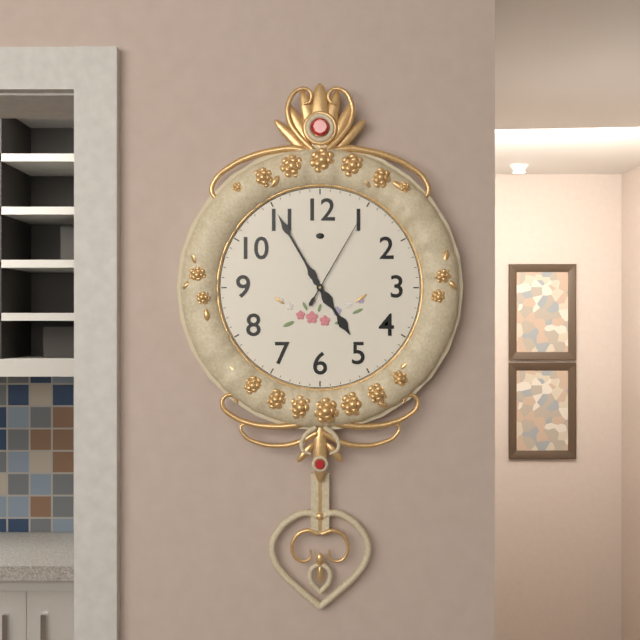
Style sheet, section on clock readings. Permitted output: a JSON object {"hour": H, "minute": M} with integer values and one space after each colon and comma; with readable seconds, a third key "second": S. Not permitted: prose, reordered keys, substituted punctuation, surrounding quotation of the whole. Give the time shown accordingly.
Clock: {"hour": 4, "minute": 55, "second": 5}
